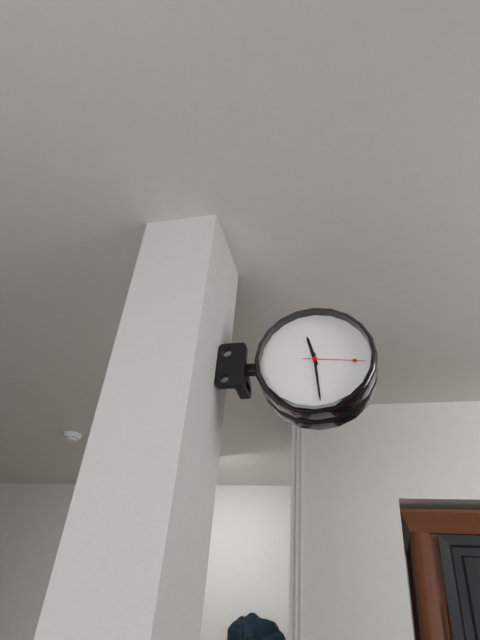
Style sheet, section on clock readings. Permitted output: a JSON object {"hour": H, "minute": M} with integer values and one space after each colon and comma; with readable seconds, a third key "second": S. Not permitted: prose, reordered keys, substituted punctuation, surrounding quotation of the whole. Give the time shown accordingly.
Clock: {"hour": 11, "minute": 29, "second": 16}
